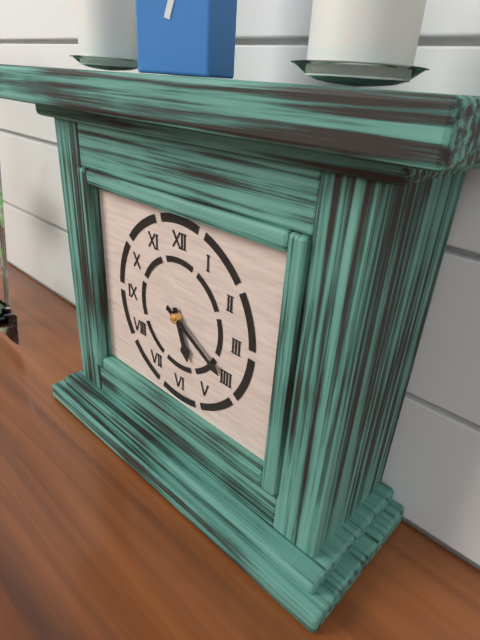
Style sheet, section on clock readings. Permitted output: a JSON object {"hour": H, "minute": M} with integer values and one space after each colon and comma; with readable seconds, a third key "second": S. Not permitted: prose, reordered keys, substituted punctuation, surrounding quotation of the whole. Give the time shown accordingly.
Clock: {"hour": 5, "minute": 20}
